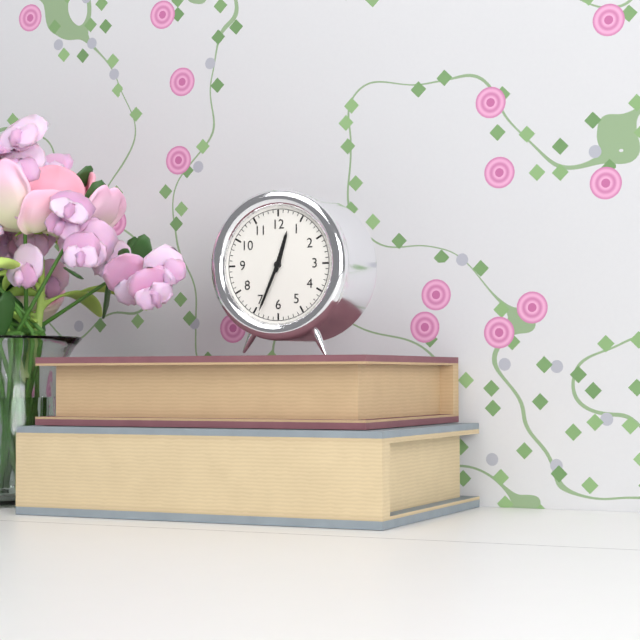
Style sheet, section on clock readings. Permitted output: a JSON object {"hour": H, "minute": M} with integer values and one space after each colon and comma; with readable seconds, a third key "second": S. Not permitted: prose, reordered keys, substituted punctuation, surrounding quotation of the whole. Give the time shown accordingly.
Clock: {"hour": 12, "minute": 34}
